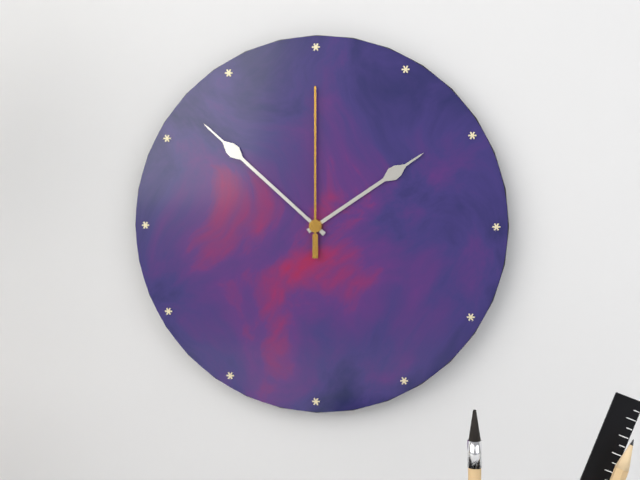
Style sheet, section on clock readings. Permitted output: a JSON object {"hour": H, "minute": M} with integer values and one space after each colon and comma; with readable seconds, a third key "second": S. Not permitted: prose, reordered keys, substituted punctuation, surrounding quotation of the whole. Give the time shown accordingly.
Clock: {"hour": 1, "minute": 52, "second": 0}
